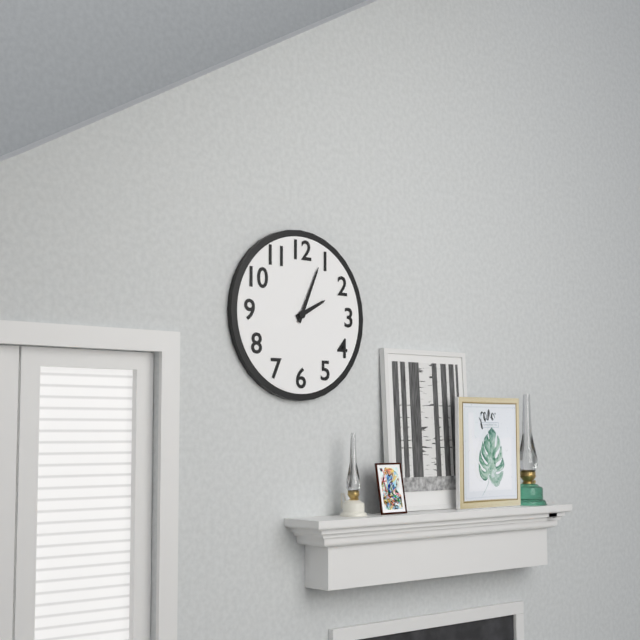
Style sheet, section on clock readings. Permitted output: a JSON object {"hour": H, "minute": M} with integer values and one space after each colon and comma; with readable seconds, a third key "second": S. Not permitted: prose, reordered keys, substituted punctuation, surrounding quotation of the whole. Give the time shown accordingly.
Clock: {"hour": 2, "minute": 4}
